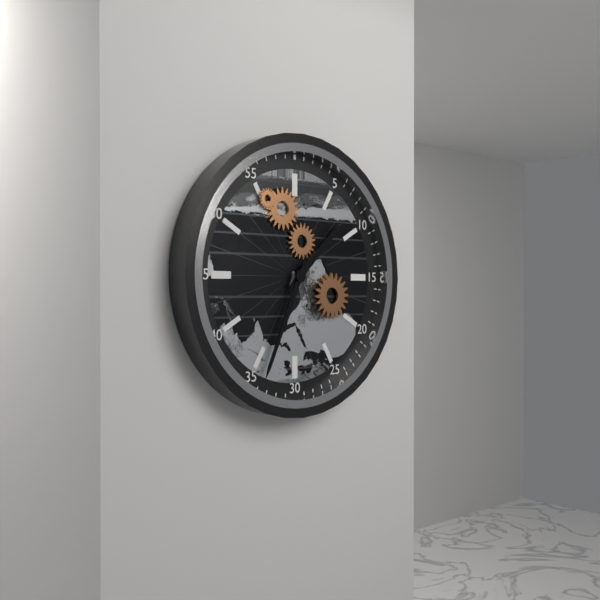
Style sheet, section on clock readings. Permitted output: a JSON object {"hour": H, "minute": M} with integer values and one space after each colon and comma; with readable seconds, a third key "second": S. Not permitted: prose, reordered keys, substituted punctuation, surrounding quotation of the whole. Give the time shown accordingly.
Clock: {"hour": 1, "minute": 34}
